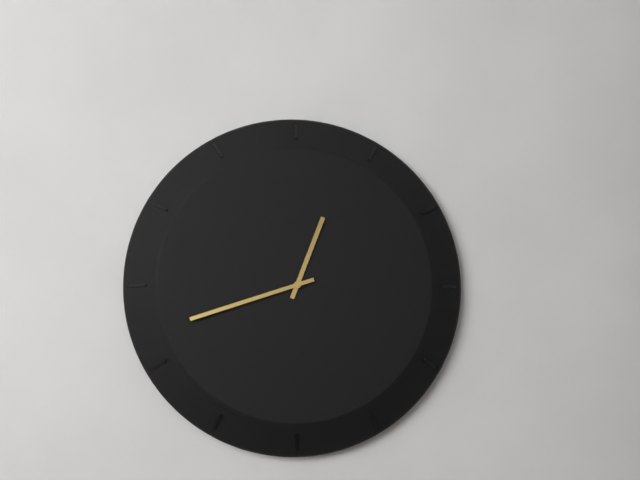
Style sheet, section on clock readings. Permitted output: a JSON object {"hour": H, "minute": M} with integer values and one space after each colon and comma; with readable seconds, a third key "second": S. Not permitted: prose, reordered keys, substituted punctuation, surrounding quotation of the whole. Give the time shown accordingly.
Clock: {"hour": 12, "minute": 42}
